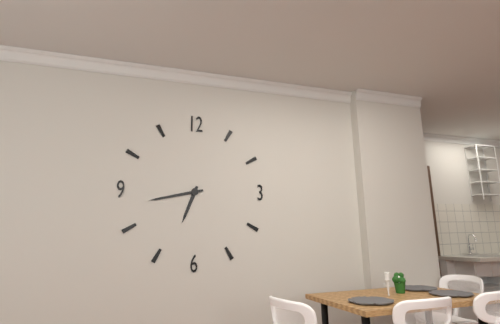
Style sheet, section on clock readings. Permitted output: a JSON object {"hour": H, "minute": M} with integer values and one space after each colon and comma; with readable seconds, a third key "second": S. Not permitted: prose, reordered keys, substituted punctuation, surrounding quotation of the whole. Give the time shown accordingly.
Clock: {"hour": 6, "minute": 43}
